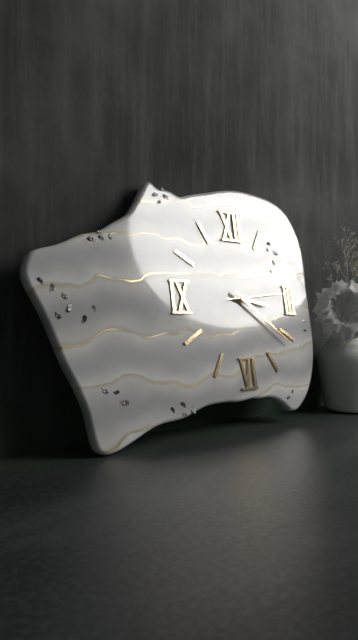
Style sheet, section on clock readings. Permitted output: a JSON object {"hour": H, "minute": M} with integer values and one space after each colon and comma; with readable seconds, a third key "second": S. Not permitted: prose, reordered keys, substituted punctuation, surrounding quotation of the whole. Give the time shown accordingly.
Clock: {"hour": 3, "minute": 21, "second": 14}
